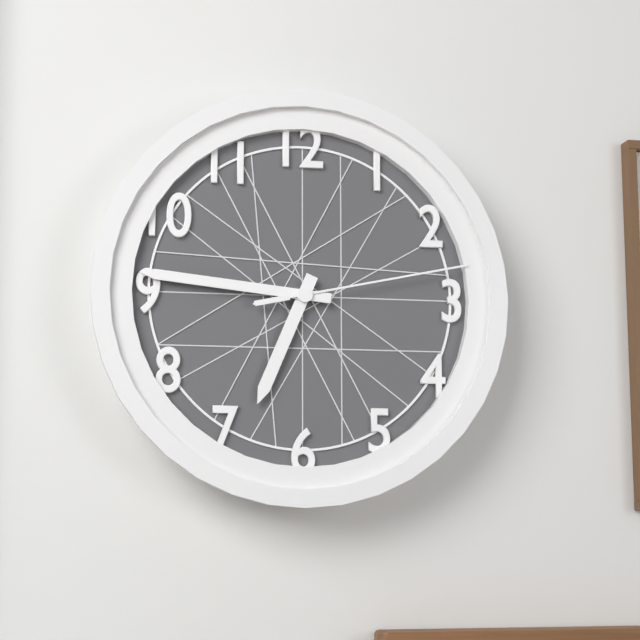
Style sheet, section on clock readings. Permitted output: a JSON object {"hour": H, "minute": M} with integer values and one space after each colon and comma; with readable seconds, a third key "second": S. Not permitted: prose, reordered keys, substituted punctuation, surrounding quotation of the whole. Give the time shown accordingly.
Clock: {"hour": 6, "minute": 46, "second": 13}
